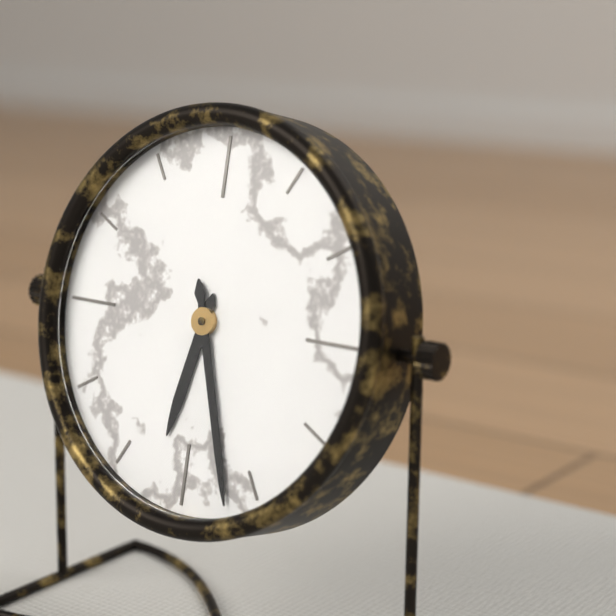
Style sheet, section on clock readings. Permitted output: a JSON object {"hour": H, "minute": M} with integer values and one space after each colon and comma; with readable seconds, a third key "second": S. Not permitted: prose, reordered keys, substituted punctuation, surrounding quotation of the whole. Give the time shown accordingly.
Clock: {"hour": 6, "minute": 27}
